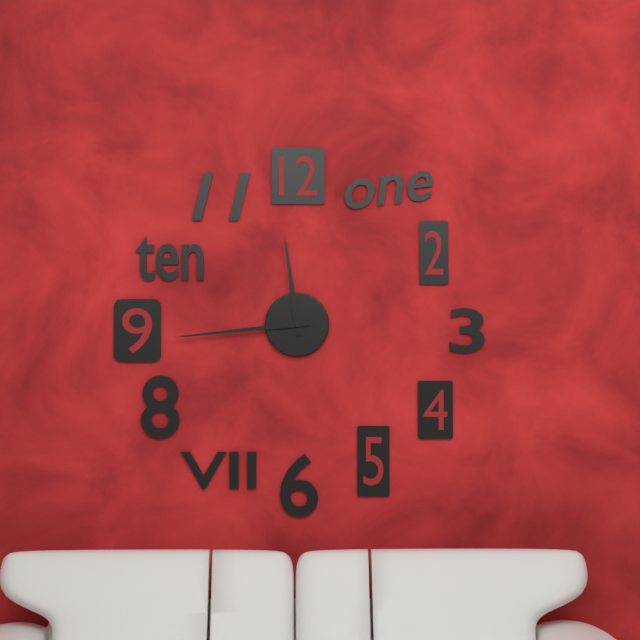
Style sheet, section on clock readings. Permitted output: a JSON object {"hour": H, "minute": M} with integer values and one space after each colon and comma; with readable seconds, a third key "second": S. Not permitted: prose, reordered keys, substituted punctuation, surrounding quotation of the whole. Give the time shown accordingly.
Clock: {"hour": 11, "minute": 44}
